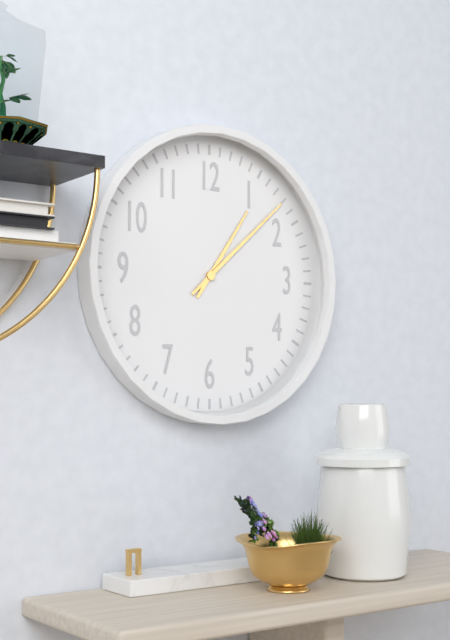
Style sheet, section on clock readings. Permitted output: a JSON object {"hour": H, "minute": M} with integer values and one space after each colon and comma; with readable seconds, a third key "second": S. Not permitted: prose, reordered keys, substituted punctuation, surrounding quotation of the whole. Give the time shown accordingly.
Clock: {"hour": 1, "minute": 8}
